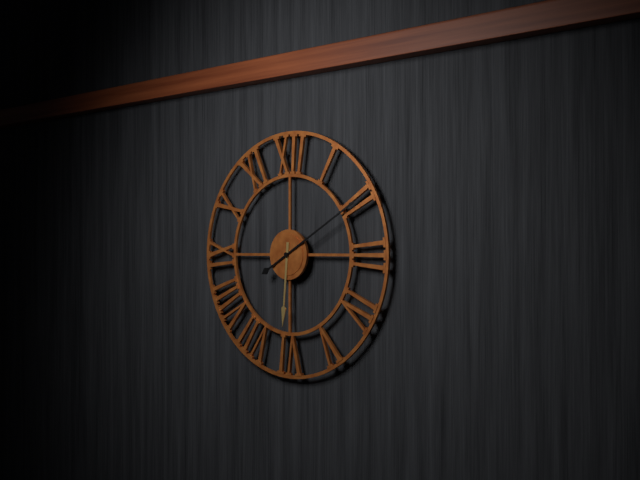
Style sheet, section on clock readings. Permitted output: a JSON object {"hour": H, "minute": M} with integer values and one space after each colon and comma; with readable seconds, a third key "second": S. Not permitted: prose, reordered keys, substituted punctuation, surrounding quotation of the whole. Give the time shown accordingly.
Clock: {"hour": 6, "minute": 10}
